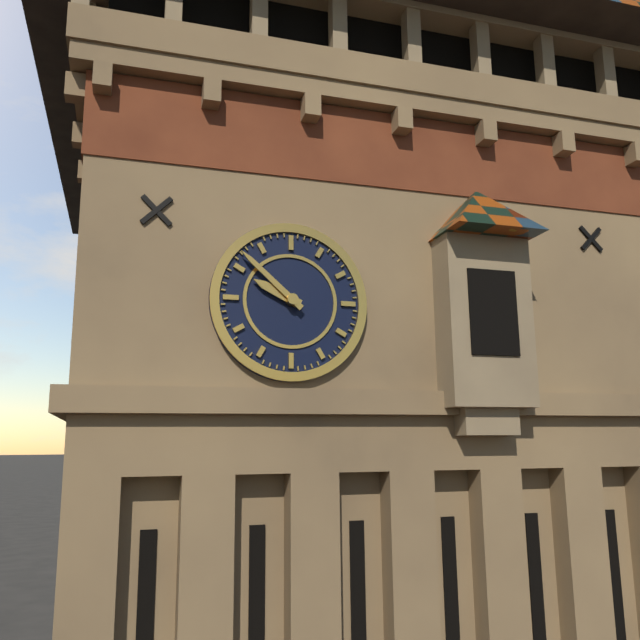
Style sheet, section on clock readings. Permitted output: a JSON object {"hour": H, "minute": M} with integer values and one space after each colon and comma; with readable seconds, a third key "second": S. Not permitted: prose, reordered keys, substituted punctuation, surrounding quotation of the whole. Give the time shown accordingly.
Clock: {"hour": 9, "minute": 52}
